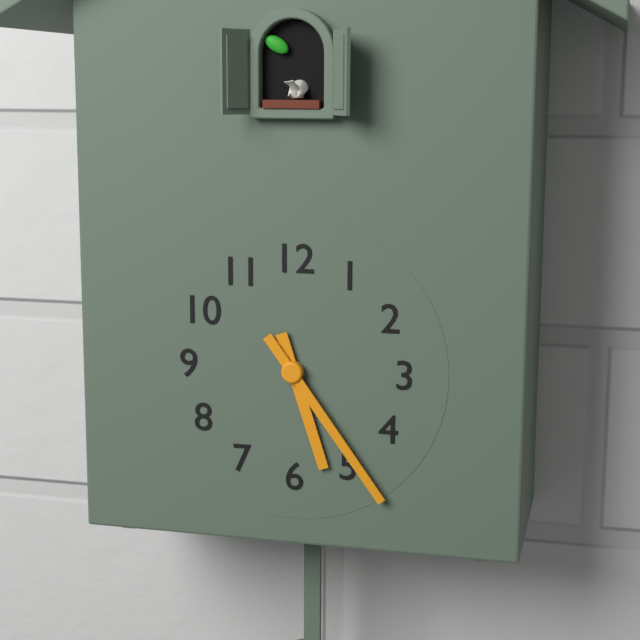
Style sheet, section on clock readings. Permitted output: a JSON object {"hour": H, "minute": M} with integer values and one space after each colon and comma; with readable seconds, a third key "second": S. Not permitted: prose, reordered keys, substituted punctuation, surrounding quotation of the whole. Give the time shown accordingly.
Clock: {"hour": 5, "minute": 24}
